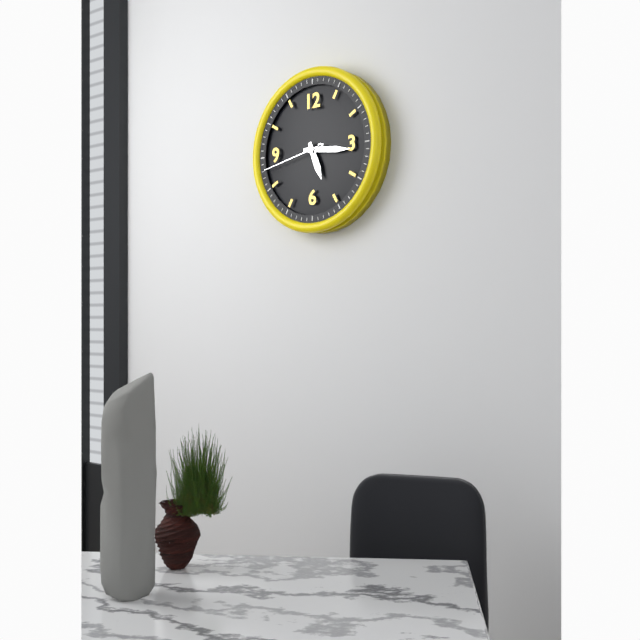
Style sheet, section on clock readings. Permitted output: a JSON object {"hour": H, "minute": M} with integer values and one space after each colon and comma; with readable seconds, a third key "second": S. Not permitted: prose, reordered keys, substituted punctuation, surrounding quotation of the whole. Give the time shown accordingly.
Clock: {"hour": 5, "minute": 16, "second": 43}
